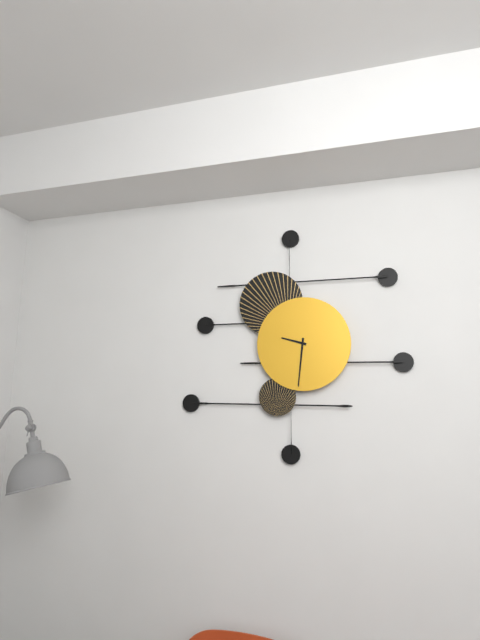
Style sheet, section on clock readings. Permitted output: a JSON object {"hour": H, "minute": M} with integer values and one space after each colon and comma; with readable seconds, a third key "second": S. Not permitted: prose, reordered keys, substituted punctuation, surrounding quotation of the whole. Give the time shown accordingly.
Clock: {"hour": 9, "minute": 31}
